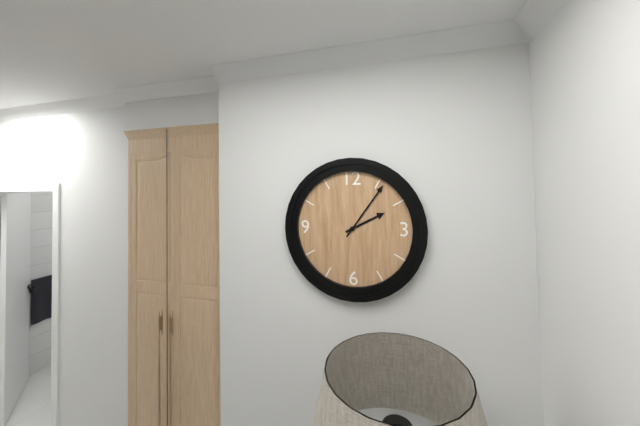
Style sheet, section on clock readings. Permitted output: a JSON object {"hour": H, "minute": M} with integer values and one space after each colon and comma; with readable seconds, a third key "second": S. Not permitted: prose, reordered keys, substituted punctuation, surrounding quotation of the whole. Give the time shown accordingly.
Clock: {"hour": 2, "minute": 6}
